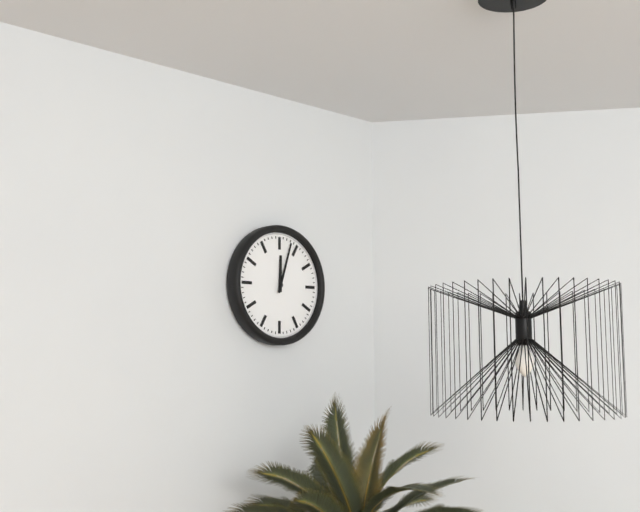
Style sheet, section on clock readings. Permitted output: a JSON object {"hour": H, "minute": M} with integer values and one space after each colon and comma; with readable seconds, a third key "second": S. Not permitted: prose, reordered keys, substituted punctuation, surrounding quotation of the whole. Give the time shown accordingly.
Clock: {"hour": 12, "minute": 3}
